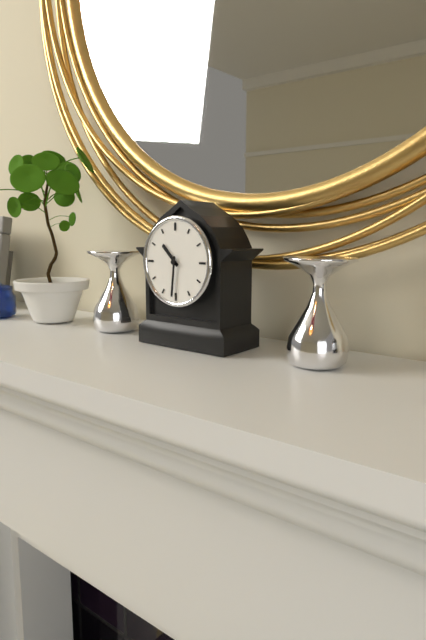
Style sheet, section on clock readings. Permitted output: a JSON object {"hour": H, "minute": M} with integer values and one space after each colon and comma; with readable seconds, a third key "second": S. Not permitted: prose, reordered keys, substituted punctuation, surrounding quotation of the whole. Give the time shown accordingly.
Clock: {"hour": 10, "minute": 31}
